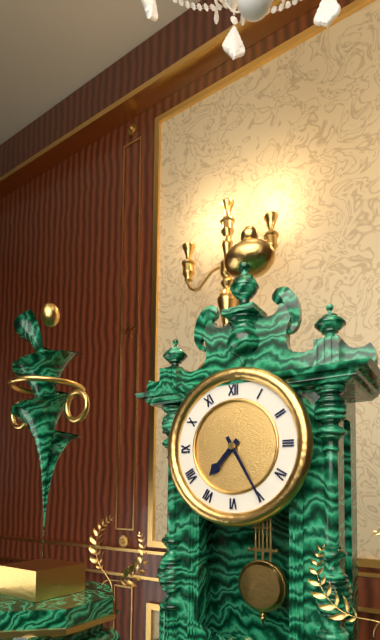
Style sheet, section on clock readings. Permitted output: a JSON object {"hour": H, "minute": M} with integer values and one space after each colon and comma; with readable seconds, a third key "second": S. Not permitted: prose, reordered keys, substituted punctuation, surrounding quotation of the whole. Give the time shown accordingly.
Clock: {"hour": 7, "minute": 25}
